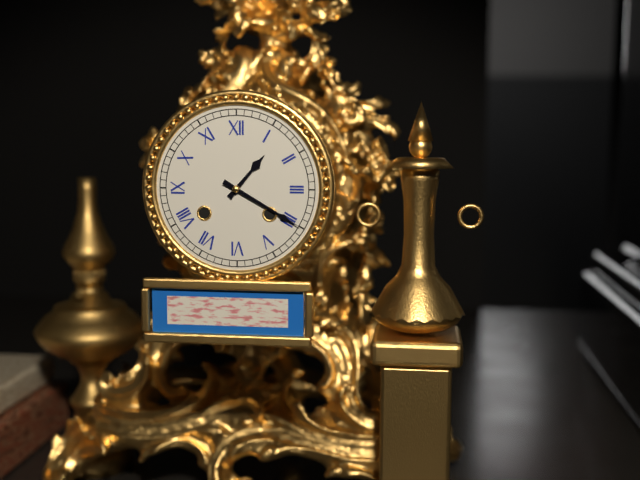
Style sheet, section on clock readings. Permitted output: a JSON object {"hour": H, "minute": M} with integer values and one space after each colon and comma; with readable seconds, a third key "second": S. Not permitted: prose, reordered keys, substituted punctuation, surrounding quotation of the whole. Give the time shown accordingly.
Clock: {"hour": 1, "minute": 20}
